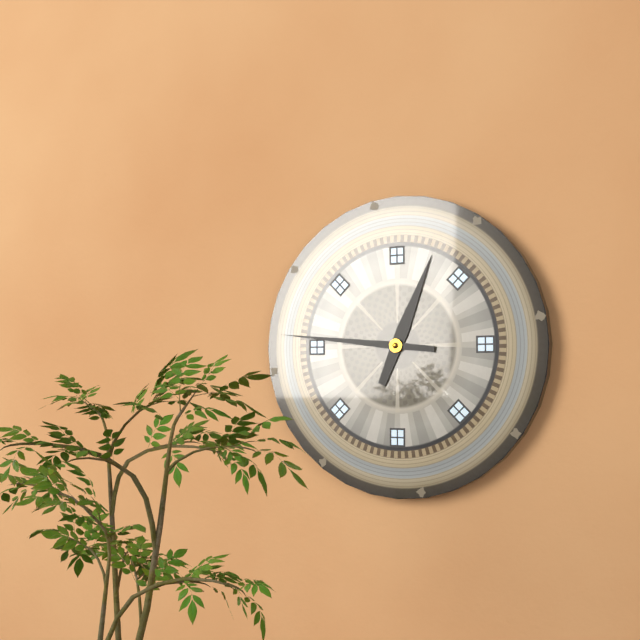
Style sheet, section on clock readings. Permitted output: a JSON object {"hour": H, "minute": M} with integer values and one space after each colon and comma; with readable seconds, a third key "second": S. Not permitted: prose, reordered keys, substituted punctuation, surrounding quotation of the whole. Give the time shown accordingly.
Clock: {"hour": 12, "minute": 46}
